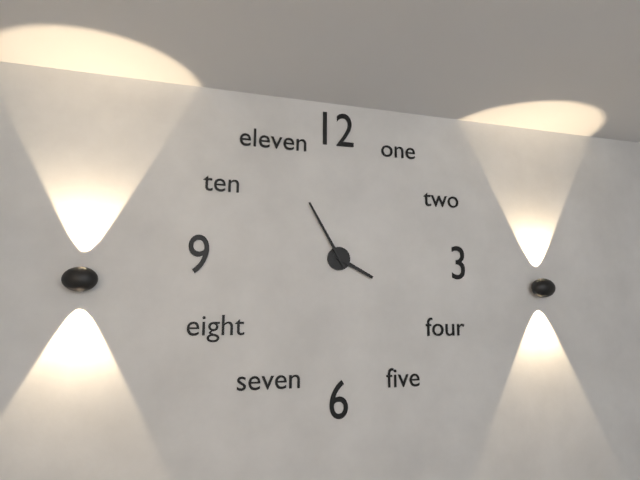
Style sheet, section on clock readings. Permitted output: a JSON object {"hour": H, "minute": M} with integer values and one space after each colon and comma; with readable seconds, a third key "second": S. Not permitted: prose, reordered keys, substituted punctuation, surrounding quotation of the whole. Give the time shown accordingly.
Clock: {"hour": 3, "minute": 55}
